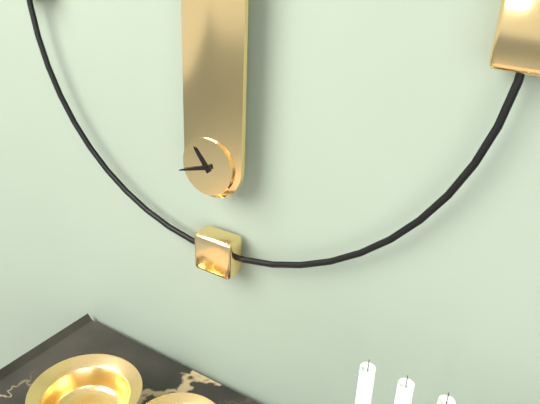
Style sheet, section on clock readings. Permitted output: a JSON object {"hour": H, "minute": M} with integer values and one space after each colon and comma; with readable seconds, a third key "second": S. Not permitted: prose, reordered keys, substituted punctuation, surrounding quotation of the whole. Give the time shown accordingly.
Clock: {"hour": 10, "minute": 42}
